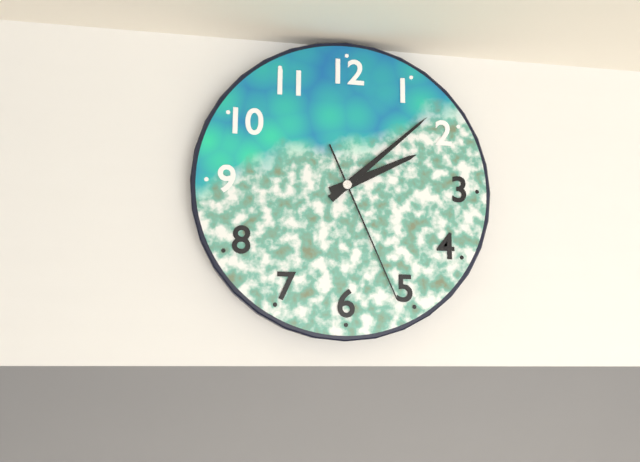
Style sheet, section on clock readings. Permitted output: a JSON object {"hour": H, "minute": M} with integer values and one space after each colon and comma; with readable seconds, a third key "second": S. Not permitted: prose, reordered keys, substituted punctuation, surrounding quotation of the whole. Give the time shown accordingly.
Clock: {"hour": 2, "minute": 8, "second": 26}
